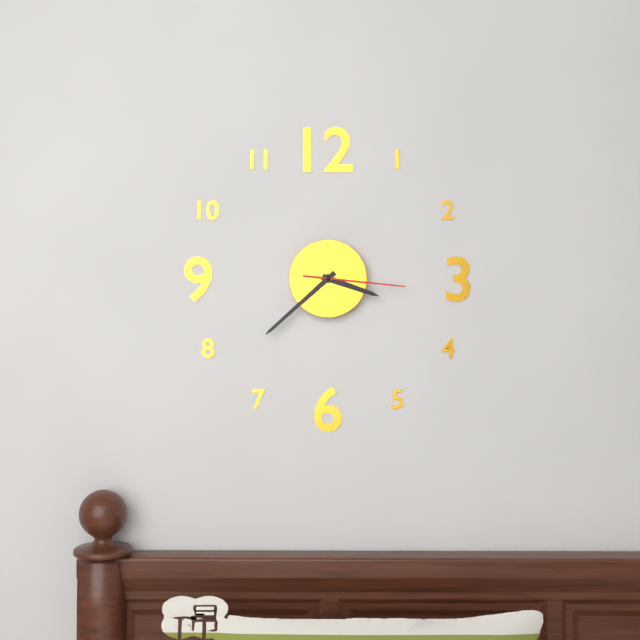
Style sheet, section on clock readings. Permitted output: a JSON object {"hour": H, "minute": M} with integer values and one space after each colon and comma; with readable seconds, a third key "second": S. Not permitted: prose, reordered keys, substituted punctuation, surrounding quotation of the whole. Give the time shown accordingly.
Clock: {"hour": 3, "minute": 38, "second": 16}
